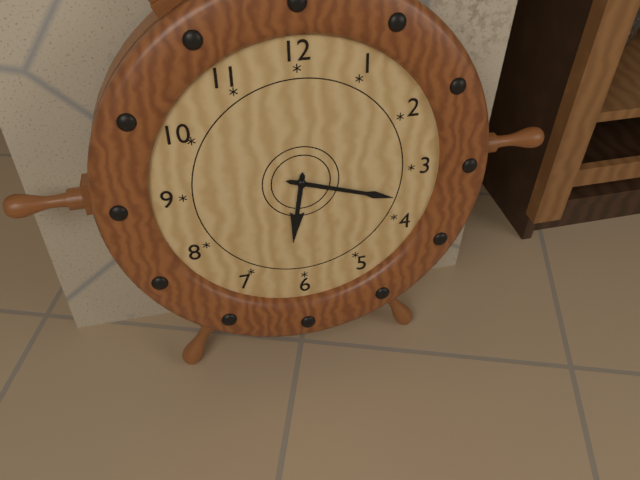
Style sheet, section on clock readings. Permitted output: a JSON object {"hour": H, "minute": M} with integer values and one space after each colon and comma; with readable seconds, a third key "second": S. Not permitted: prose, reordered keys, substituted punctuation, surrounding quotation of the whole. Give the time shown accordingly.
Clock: {"hour": 6, "minute": 18}
